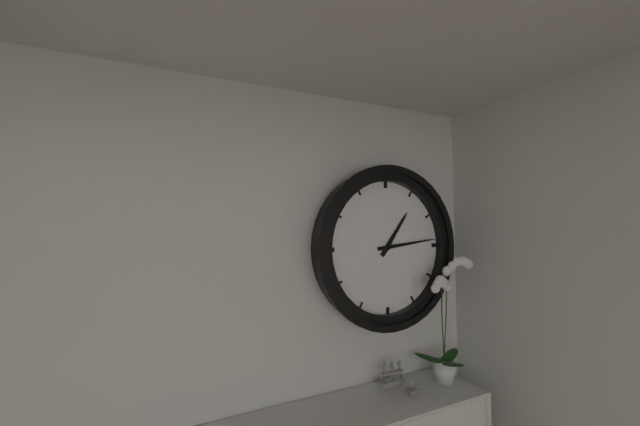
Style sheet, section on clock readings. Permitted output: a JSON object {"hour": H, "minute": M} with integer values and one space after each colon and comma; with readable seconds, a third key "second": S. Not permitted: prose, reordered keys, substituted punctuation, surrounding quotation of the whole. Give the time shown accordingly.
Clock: {"hour": 1, "minute": 14}
